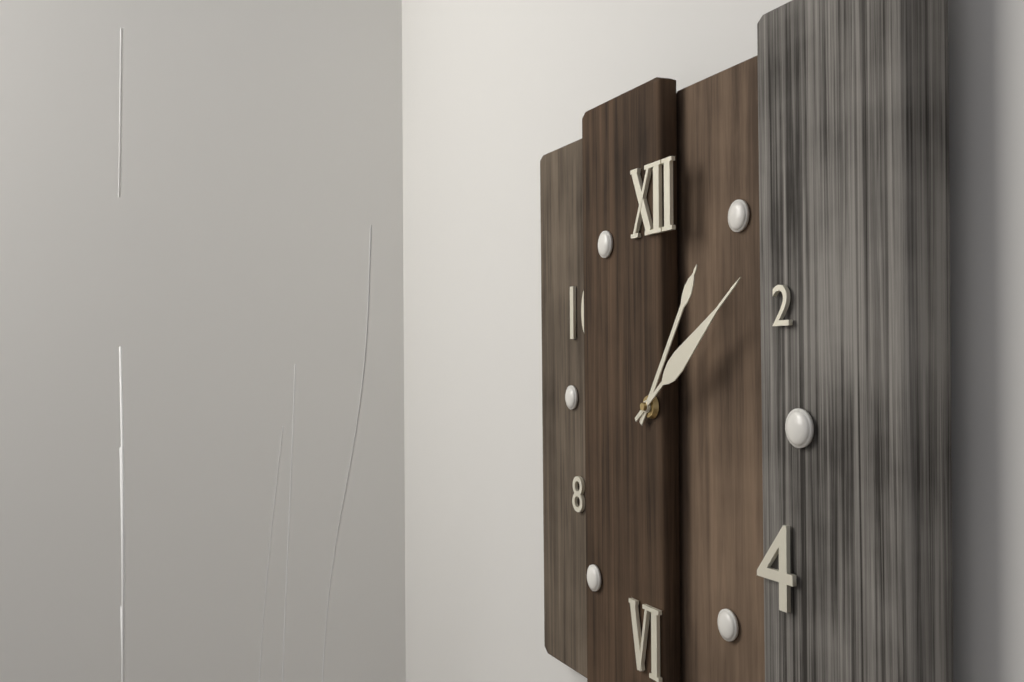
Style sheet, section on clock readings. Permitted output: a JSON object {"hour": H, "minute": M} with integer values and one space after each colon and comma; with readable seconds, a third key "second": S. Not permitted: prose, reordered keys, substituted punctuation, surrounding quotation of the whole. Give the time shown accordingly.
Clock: {"hour": 1, "minute": 9}
